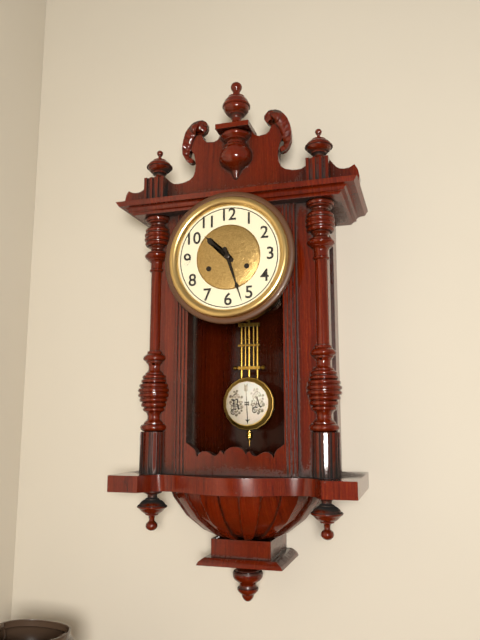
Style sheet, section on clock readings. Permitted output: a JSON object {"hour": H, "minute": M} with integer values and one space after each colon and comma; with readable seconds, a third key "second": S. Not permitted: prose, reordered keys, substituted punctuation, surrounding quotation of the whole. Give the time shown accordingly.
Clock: {"hour": 10, "minute": 27}
